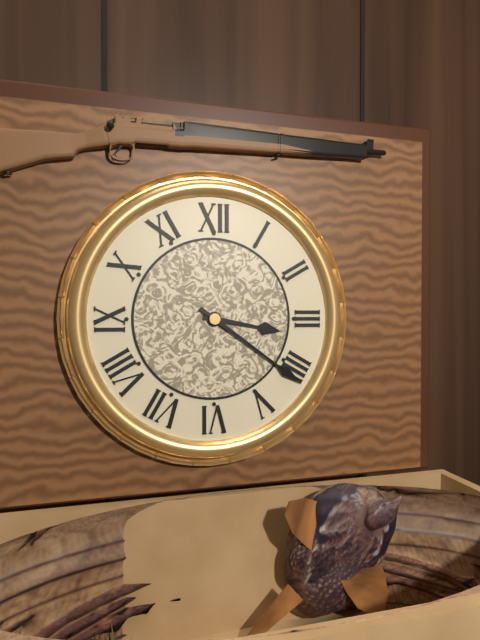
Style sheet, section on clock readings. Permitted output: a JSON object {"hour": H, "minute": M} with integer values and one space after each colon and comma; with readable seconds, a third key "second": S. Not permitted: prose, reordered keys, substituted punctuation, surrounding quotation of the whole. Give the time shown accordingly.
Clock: {"hour": 3, "minute": 21}
